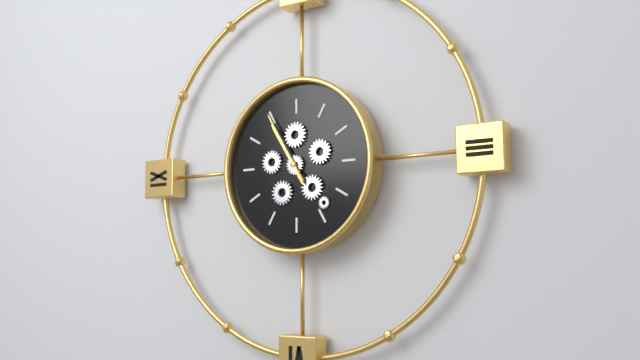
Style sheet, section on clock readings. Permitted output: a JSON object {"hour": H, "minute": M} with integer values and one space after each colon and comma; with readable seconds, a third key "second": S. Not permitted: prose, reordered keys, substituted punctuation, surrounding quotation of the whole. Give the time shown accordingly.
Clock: {"hour": 10, "minute": 55}
